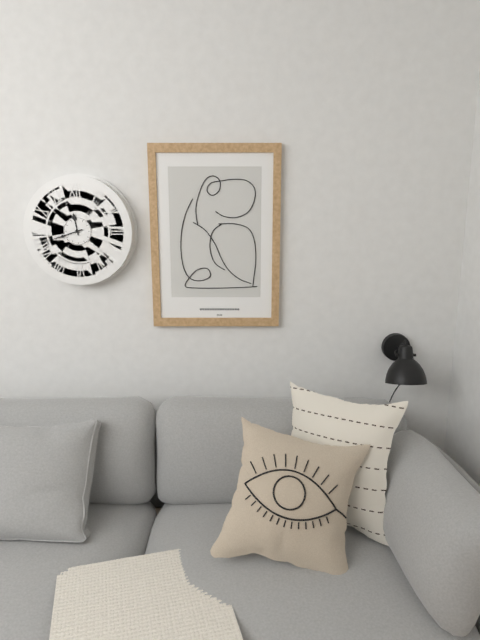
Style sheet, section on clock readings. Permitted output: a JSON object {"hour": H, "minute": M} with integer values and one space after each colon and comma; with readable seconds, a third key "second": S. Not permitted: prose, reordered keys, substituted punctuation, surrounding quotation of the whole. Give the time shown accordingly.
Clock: {"hour": 11, "minute": 42}
